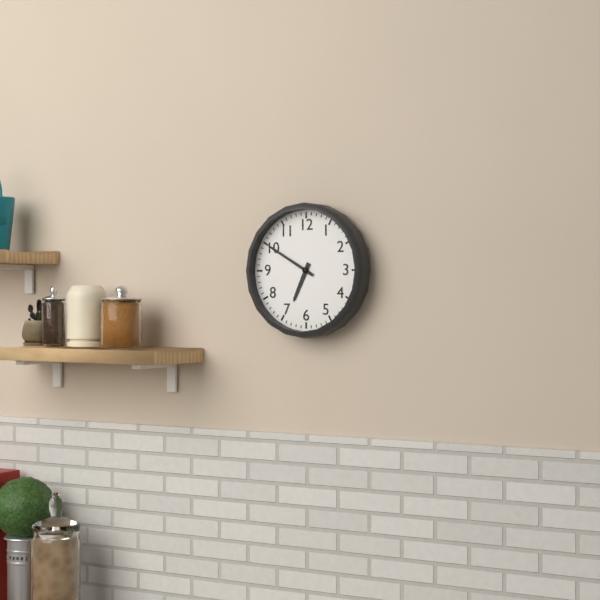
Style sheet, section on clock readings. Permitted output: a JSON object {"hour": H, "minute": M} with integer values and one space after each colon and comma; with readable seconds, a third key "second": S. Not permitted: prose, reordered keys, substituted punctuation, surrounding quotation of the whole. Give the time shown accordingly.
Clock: {"hour": 6, "minute": 50}
